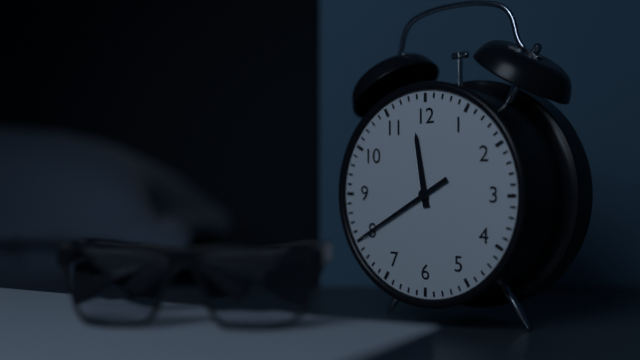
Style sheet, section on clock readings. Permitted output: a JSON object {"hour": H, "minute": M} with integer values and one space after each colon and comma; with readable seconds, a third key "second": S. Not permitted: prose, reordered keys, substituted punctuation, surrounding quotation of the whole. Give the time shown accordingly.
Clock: {"hour": 11, "minute": 40}
